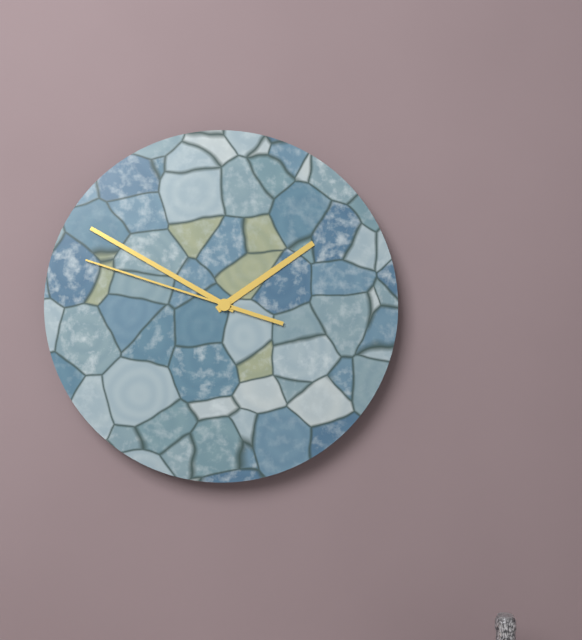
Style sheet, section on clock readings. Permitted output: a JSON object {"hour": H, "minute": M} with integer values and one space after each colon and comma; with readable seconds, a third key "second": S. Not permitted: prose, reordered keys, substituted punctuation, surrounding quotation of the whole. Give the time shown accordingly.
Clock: {"hour": 1, "minute": 50, "second": 48}
